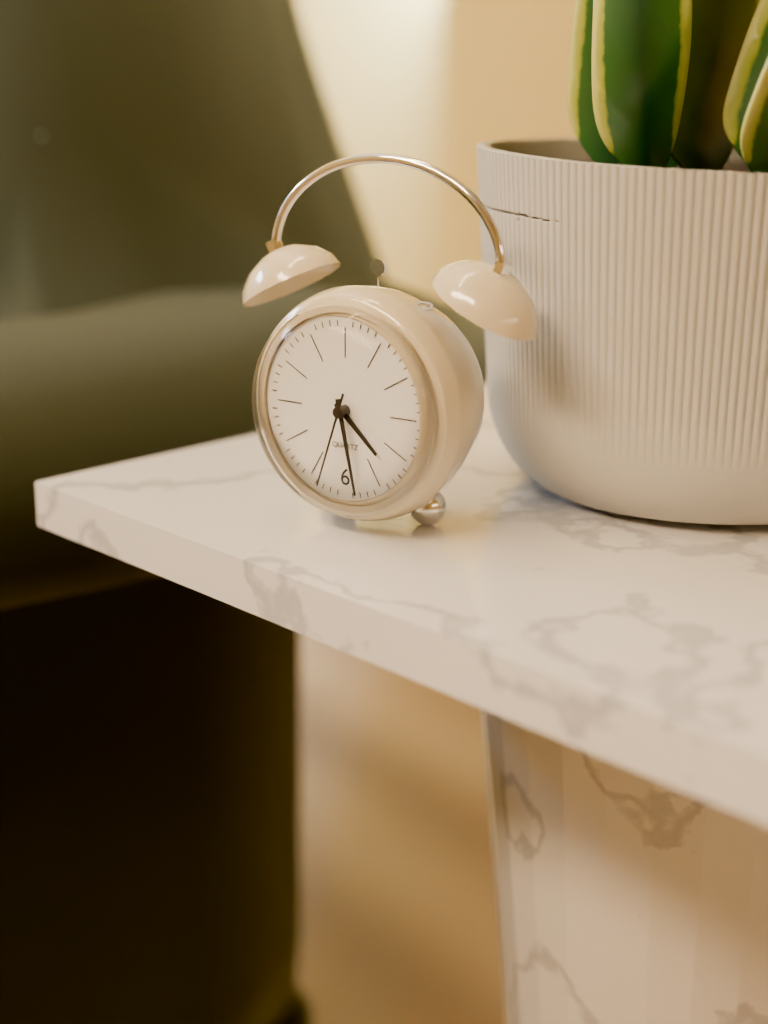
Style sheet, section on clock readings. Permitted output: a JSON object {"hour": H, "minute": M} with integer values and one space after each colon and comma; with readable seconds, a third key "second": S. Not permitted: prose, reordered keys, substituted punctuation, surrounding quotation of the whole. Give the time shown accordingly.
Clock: {"hour": 4, "minute": 28, "second": 33}
